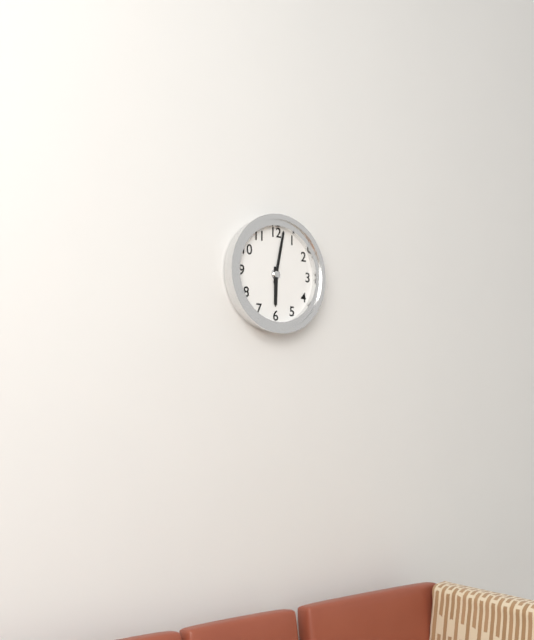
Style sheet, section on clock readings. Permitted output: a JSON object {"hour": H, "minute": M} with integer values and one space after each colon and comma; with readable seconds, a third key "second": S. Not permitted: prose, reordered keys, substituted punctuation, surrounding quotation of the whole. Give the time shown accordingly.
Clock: {"hour": 6, "minute": 2}
